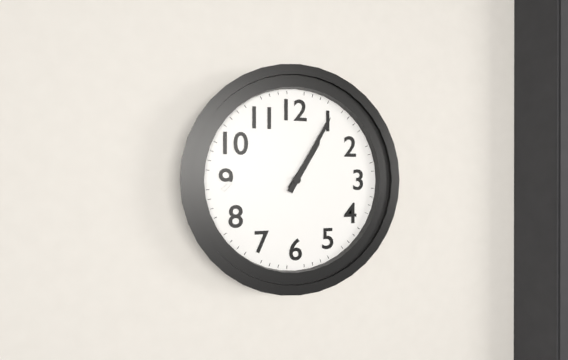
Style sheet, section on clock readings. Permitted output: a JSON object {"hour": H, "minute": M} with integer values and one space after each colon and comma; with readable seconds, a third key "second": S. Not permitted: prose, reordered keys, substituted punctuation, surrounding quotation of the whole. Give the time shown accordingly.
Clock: {"hour": 1, "minute": 5}
